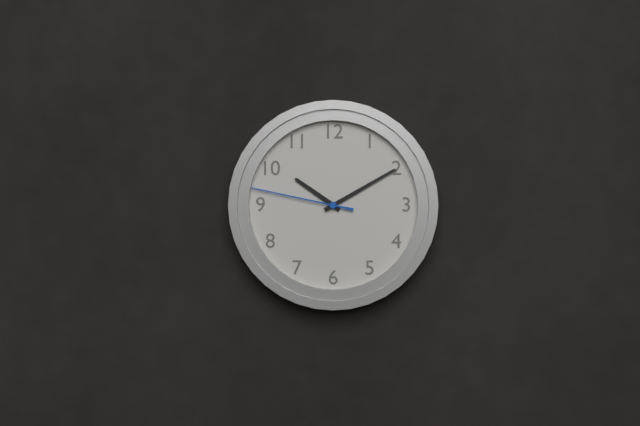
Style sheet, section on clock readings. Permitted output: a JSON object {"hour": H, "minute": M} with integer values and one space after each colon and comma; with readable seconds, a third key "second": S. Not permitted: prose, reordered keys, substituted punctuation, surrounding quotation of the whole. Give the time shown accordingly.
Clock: {"hour": 10, "minute": 10, "second": 47}
